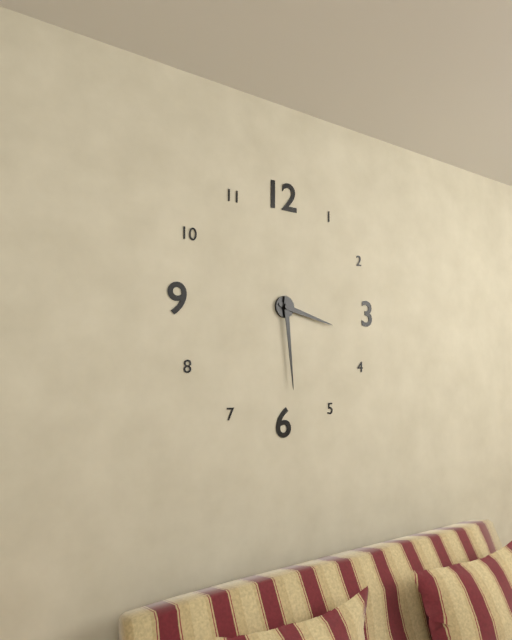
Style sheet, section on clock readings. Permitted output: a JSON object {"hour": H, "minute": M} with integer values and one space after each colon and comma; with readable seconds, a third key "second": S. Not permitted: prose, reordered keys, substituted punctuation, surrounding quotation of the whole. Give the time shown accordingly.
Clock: {"hour": 3, "minute": 29}
